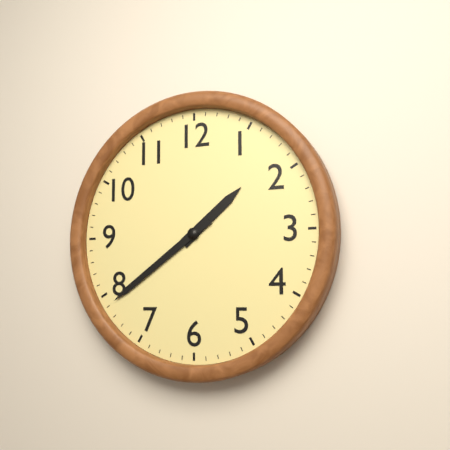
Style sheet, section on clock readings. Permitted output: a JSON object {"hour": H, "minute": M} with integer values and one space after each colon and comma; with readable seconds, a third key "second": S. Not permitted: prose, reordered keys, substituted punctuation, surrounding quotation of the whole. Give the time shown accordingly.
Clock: {"hour": 1, "minute": 39}
